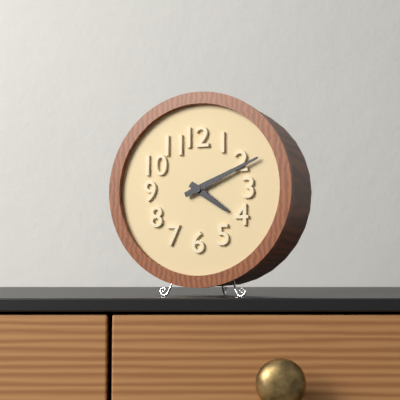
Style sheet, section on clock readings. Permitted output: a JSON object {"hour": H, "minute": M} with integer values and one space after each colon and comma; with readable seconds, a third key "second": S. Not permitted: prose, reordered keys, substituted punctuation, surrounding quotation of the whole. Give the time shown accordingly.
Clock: {"hour": 4, "minute": 11}
